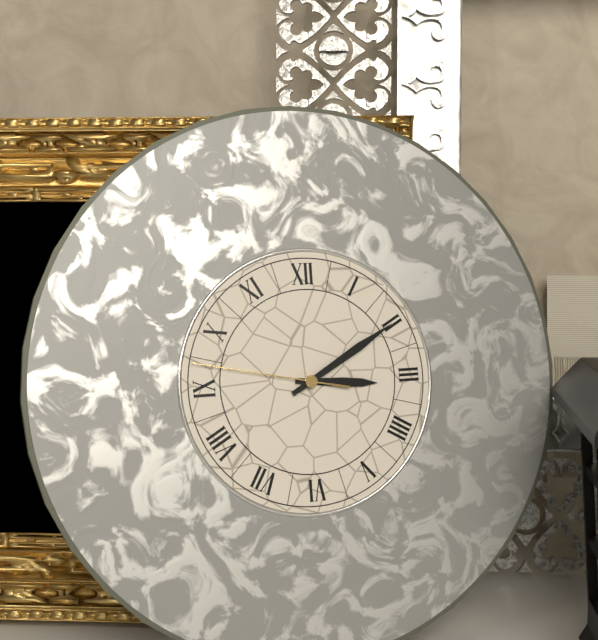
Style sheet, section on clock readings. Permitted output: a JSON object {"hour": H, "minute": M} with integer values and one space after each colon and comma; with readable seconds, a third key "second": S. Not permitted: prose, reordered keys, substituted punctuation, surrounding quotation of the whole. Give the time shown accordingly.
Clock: {"hour": 3, "minute": 10, "second": 47}
